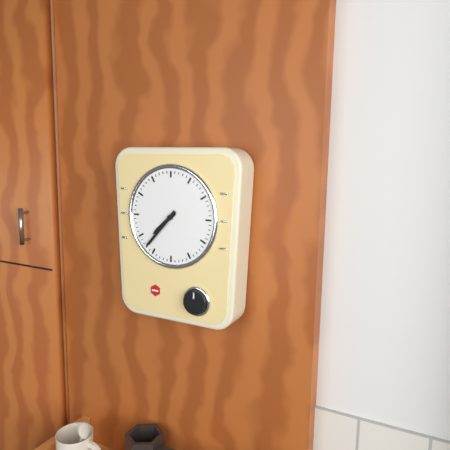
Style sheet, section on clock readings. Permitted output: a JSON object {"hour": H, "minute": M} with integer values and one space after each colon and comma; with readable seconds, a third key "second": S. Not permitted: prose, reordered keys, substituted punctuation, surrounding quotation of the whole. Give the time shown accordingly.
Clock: {"hour": 7, "minute": 37}
